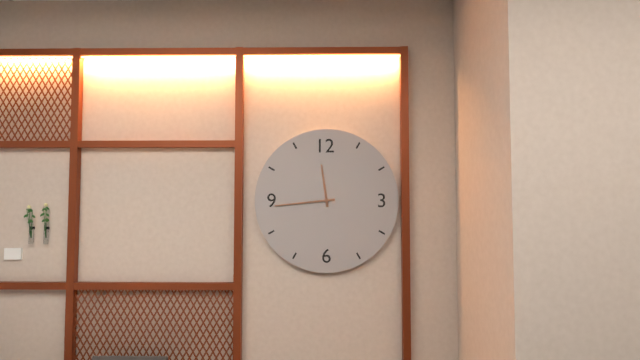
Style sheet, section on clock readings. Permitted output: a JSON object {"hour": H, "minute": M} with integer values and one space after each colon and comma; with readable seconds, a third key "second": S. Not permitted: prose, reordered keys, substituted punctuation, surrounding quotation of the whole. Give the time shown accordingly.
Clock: {"hour": 11, "minute": 44}
